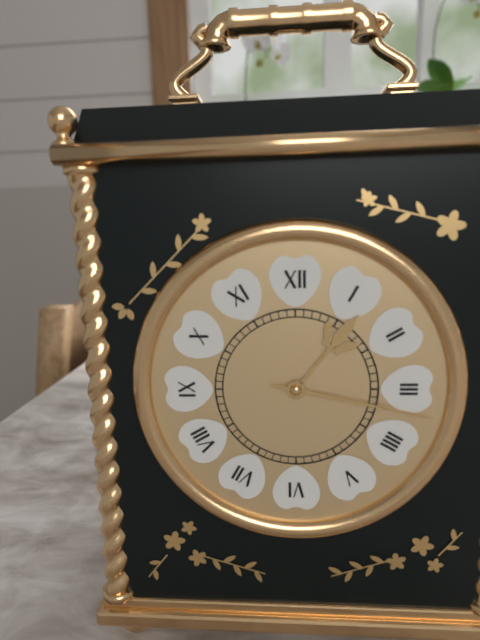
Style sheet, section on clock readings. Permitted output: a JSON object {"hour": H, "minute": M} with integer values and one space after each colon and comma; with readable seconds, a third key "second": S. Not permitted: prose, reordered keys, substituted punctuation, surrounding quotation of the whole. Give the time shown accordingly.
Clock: {"hour": 1, "minute": 17}
